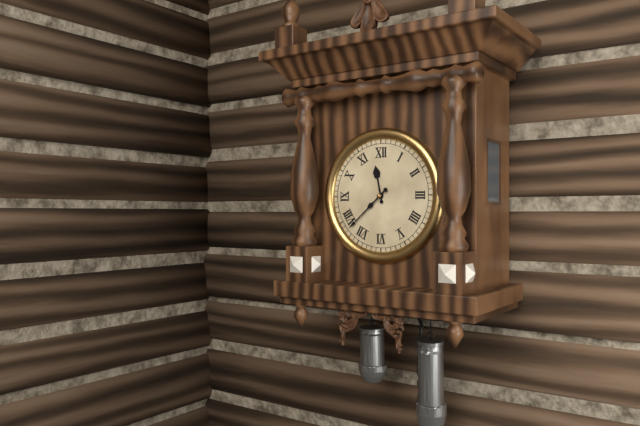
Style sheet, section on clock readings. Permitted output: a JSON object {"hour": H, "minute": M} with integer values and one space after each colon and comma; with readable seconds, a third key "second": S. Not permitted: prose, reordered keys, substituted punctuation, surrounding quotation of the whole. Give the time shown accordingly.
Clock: {"hour": 11, "minute": 38}
